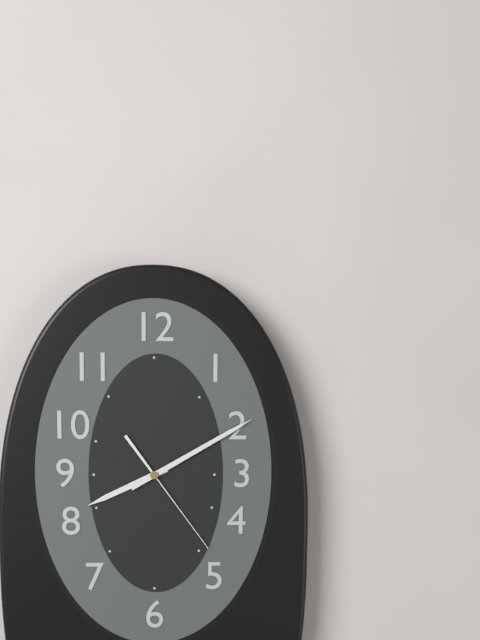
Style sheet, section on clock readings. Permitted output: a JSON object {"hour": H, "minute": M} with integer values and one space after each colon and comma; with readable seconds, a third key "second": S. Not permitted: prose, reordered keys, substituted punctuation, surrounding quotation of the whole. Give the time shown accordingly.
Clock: {"hour": 8, "minute": 10, "second": 24}
